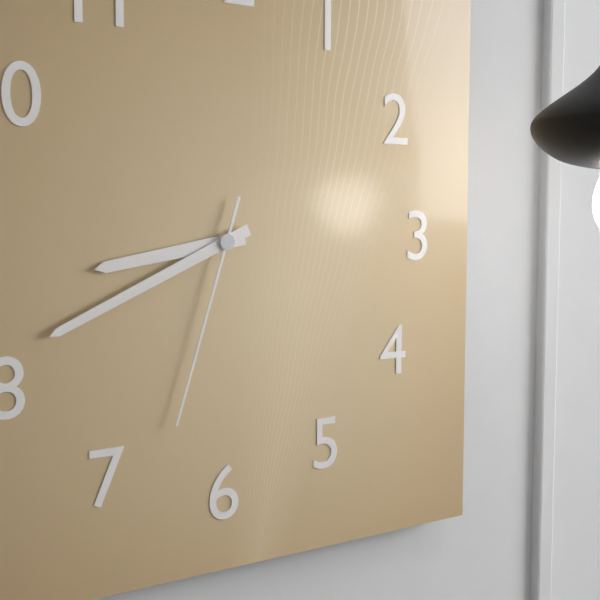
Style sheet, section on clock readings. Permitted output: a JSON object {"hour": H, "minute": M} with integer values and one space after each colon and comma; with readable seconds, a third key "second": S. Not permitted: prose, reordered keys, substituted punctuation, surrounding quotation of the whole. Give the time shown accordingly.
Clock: {"hour": 8, "minute": 41, "second": 33}
